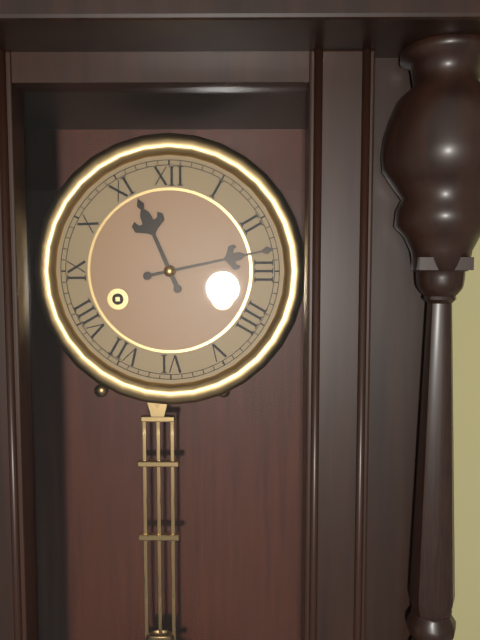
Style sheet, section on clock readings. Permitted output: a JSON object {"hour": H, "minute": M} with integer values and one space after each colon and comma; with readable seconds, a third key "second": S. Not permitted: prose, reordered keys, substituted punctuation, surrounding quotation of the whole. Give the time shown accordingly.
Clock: {"hour": 11, "minute": 13}
